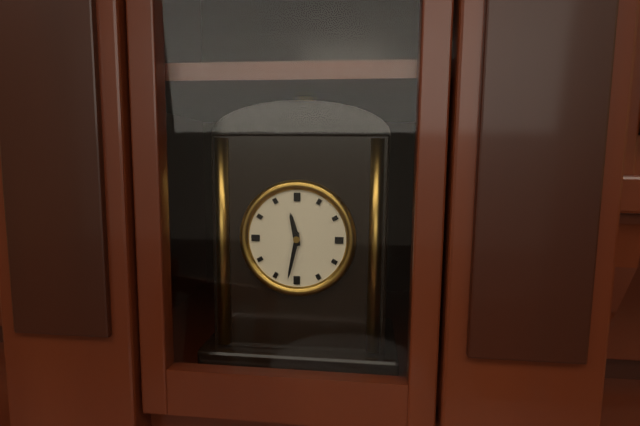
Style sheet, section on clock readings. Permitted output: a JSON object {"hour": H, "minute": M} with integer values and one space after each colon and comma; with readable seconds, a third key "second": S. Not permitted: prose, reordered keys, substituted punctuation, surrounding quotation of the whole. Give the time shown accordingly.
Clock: {"hour": 11, "minute": 32}
